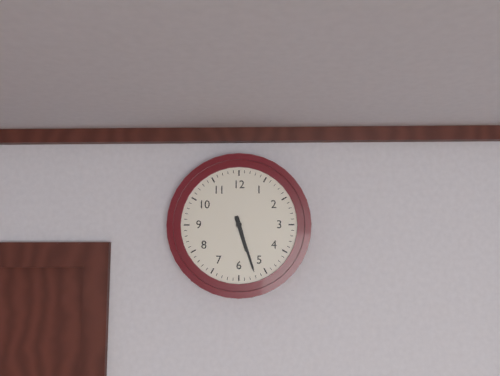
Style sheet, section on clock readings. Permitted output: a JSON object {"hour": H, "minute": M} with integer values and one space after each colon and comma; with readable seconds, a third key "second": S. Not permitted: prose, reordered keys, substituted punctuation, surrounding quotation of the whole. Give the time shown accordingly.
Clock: {"hour": 5, "minute": 27}
